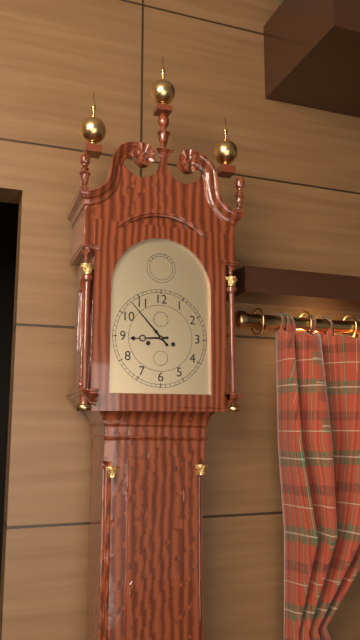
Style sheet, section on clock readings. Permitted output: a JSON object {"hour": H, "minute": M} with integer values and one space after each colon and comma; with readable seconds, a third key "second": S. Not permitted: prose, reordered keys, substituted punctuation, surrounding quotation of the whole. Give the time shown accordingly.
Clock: {"hour": 8, "minute": 53}
